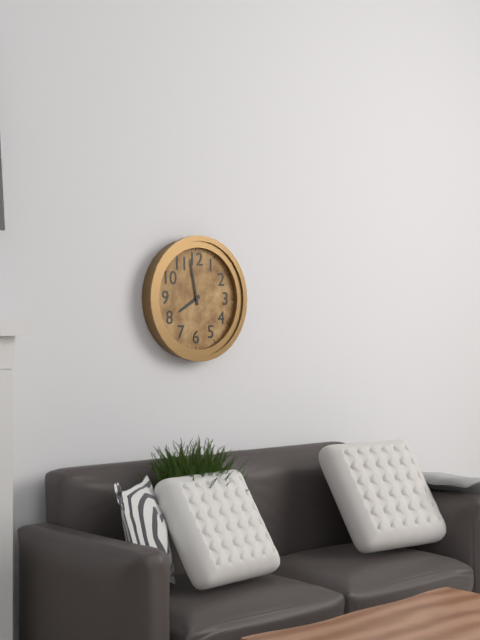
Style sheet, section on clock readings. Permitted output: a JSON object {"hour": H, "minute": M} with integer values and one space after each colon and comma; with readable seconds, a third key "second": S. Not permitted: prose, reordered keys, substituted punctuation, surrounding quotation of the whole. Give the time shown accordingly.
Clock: {"hour": 7, "minute": 58}
